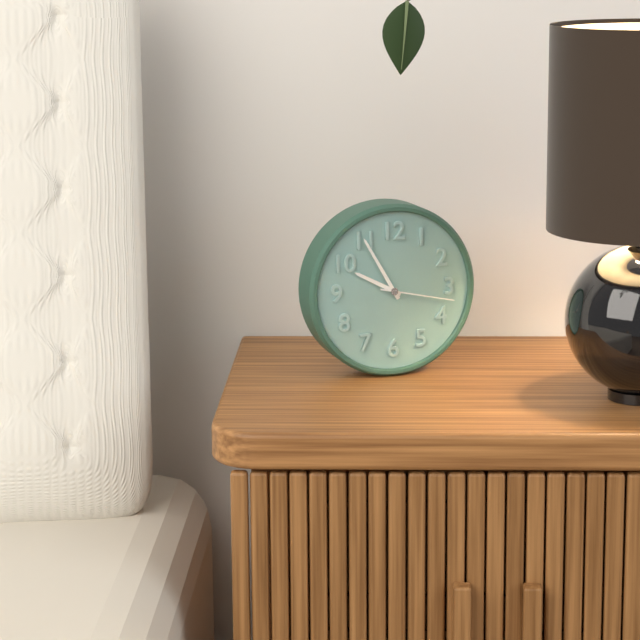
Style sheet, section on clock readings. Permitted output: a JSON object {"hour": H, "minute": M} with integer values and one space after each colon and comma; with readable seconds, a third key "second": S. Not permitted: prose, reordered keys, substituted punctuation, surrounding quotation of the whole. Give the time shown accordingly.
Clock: {"hour": 9, "minute": 55, "second": 17}
